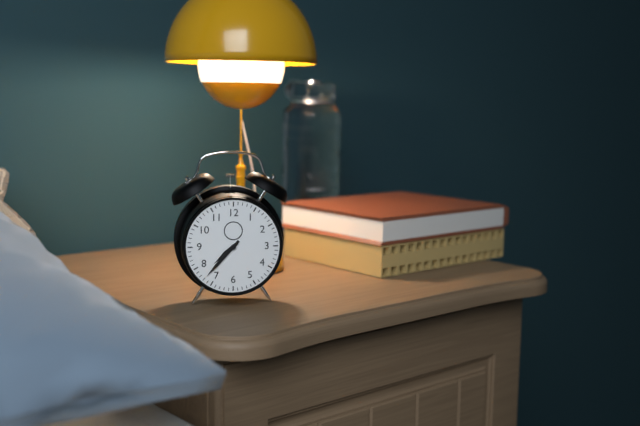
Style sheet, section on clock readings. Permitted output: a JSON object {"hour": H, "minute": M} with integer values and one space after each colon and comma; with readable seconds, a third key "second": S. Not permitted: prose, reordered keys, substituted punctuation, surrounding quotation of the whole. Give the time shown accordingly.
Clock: {"hour": 7, "minute": 37}
